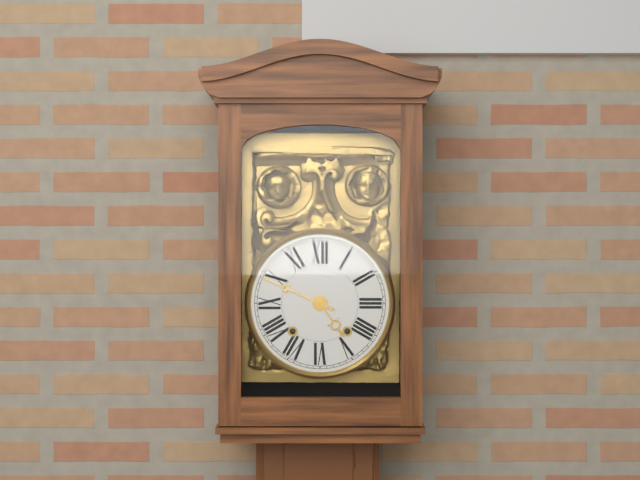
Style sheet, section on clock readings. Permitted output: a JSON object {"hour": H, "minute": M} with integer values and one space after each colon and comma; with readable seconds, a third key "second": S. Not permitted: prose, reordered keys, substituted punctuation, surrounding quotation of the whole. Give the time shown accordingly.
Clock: {"hour": 4, "minute": 49}
